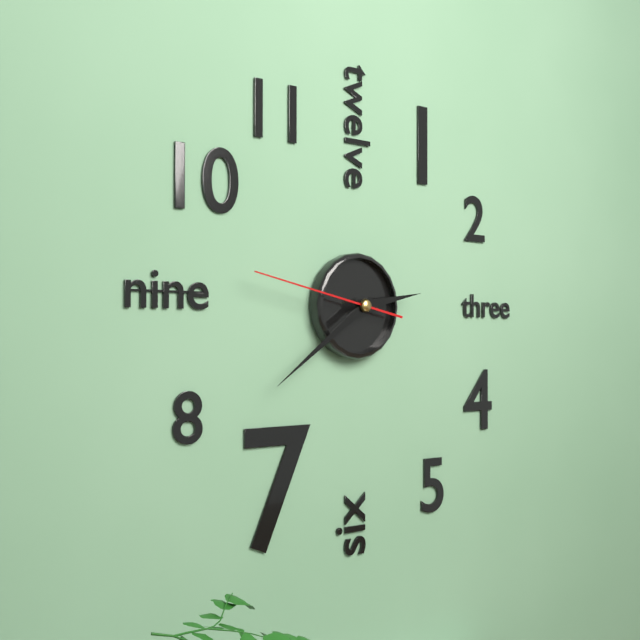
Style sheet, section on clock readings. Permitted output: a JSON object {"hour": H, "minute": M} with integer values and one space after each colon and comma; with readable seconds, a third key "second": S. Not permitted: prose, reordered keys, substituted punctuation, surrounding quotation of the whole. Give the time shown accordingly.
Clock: {"hour": 2, "minute": 39, "second": 47}
